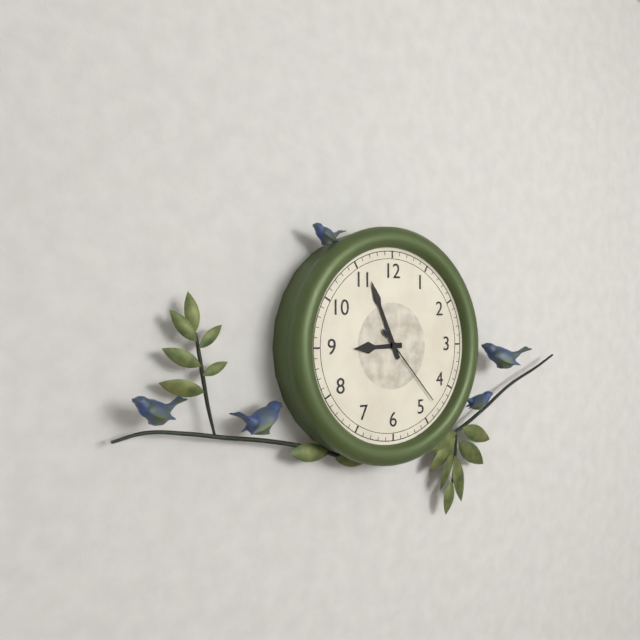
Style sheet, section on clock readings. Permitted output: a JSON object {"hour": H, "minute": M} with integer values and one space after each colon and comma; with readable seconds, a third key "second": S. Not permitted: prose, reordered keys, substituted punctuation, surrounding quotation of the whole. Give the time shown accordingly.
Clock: {"hour": 8, "minute": 56, "second": 23}
